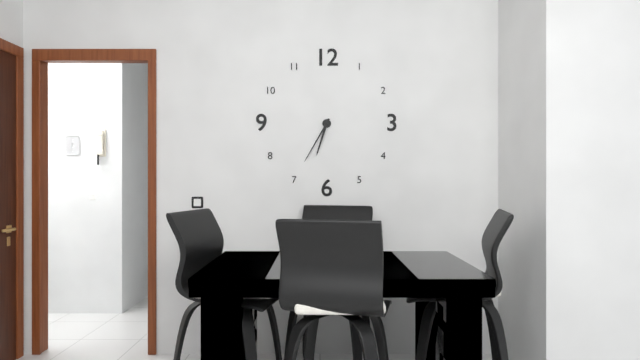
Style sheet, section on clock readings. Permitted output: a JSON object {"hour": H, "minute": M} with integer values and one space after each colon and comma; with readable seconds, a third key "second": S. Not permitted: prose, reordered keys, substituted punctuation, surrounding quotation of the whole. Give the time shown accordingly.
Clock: {"hour": 6, "minute": 35}
